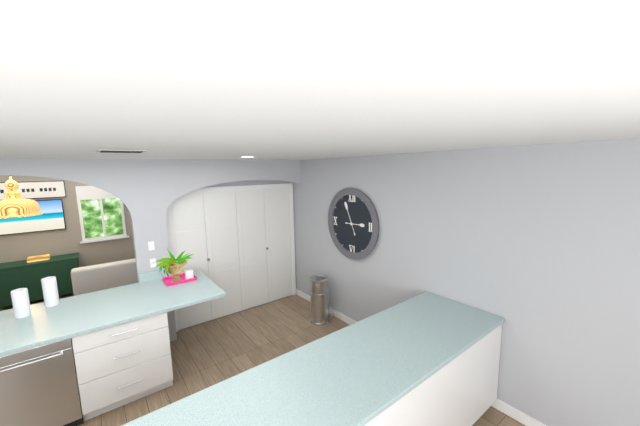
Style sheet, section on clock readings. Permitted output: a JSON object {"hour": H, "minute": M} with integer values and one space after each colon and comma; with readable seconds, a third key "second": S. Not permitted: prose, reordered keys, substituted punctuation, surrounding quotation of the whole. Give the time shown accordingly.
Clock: {"hour": 2, "minute": 56}
